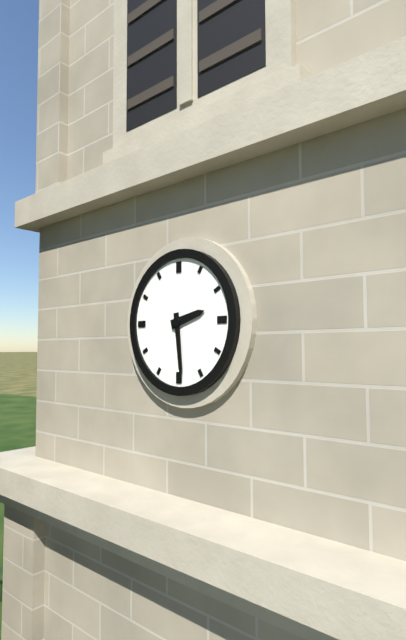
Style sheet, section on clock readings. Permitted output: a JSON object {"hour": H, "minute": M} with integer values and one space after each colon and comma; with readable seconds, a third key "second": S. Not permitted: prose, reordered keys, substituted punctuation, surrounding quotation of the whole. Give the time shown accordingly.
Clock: {"hour": 2, "minute": 29}
